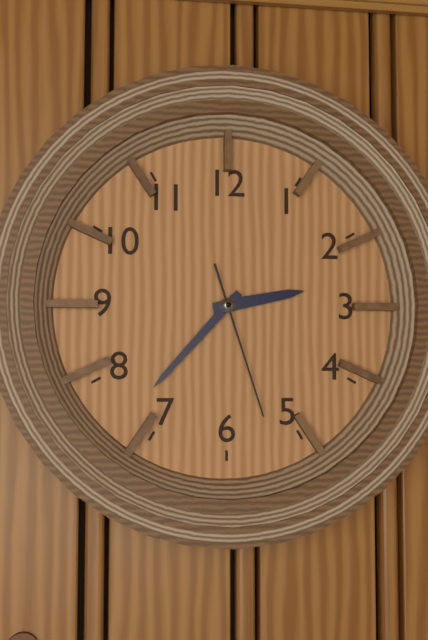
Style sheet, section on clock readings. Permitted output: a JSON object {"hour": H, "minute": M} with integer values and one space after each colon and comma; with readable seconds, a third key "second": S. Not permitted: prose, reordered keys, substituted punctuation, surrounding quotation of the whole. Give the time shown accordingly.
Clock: {"hour": 2, "minute": 37, "second": 27}
